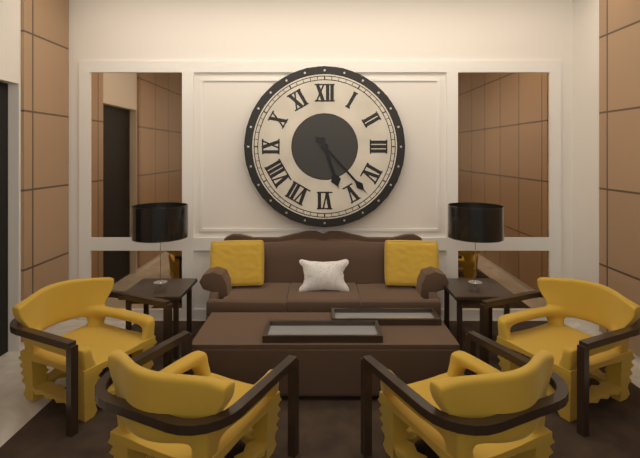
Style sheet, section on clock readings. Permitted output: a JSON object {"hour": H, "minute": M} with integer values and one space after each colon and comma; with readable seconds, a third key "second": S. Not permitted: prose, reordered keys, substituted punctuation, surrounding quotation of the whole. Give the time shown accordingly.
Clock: {"hour": 5, "minute": 23}
